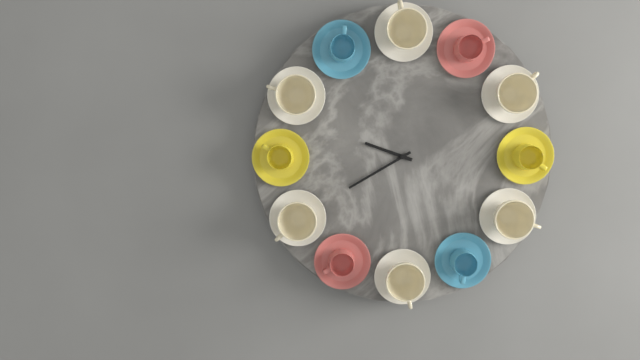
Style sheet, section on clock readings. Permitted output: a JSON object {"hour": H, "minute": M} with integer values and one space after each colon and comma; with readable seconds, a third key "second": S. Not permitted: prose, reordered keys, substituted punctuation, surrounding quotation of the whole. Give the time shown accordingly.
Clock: {"hour": 9, "minute": 40}
